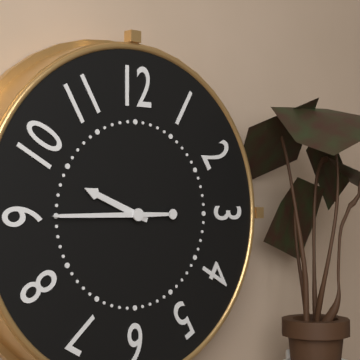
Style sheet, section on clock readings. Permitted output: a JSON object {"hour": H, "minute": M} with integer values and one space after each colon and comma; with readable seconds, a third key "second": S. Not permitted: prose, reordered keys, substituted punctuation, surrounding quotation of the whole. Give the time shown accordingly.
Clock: {"hour": 9, "minute": 45}
